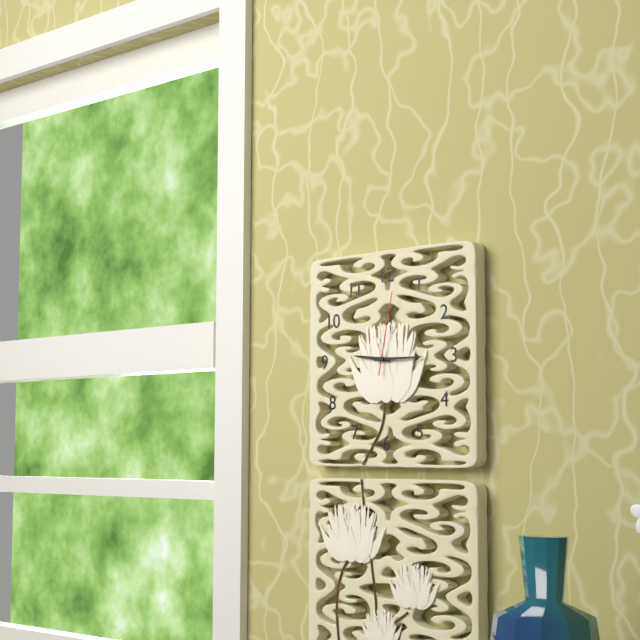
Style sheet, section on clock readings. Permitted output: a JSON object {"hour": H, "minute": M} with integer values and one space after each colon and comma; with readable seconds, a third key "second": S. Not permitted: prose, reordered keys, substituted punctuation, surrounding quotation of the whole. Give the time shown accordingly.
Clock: {"hour": 9, "minute": 15, "second": 2}
